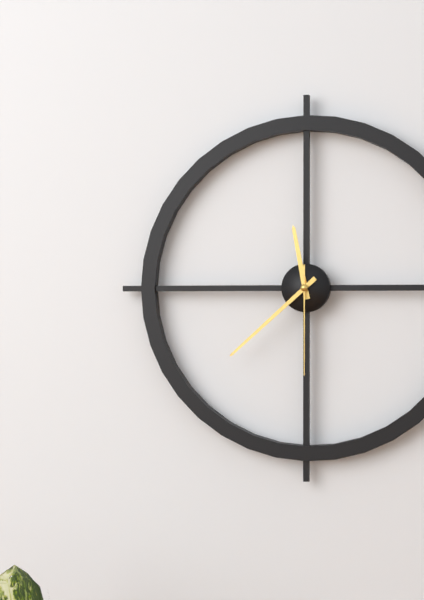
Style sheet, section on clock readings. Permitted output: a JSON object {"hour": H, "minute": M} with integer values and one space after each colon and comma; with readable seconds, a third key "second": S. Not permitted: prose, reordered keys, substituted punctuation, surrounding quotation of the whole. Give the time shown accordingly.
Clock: {"hour": 11, "minute": 38, "second": 30}
